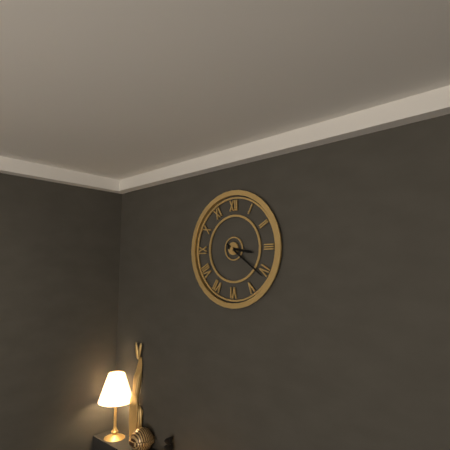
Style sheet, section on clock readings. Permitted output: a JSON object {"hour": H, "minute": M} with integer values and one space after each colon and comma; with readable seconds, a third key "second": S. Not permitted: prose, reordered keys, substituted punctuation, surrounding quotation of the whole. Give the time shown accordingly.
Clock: {"hour": 3, "minute": 21}
